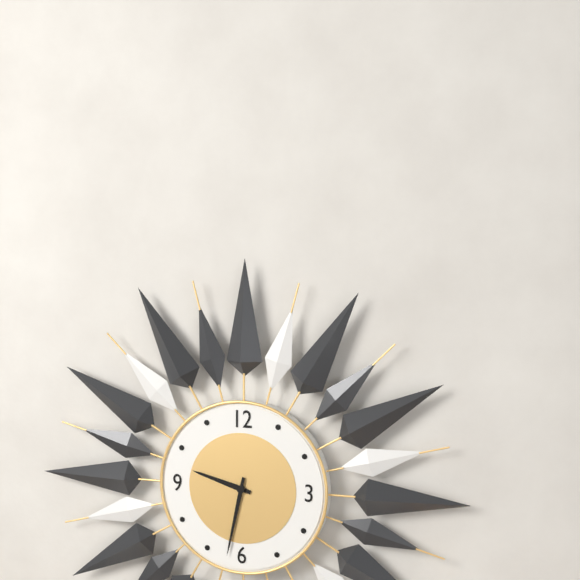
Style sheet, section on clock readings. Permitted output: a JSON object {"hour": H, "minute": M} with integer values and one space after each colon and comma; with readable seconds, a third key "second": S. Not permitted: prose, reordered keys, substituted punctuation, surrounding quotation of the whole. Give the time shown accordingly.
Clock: {"hour": 9, "minute": 32}
